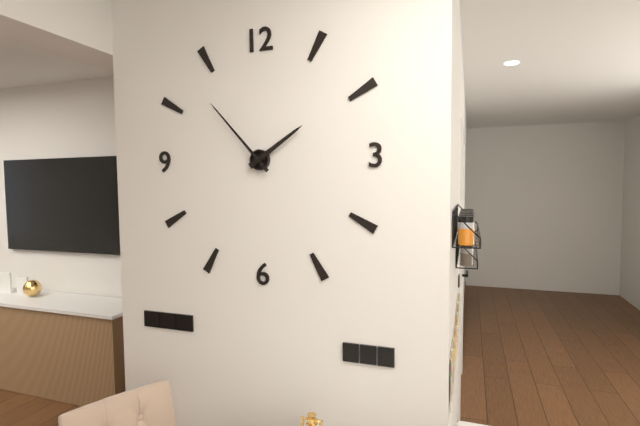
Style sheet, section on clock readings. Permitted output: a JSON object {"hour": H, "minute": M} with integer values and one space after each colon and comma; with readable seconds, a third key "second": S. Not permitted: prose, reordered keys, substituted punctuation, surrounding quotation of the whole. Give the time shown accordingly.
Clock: {"hour": 1, "minute": 53}
